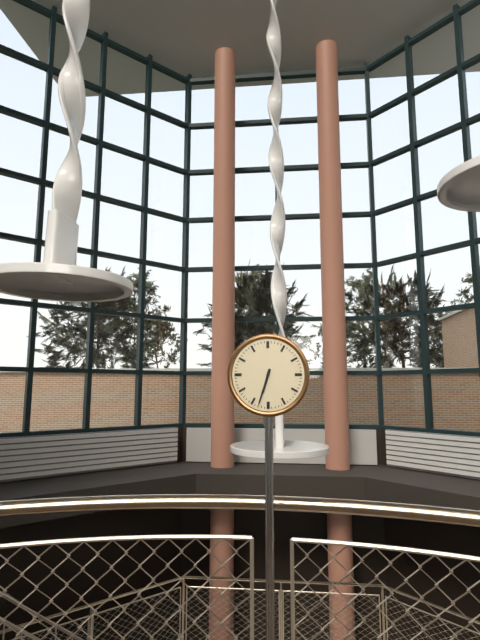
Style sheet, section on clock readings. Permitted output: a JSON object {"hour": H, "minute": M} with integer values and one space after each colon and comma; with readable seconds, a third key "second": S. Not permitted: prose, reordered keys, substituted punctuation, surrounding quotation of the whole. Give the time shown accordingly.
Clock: {"hour": 6, "minute": 33}
